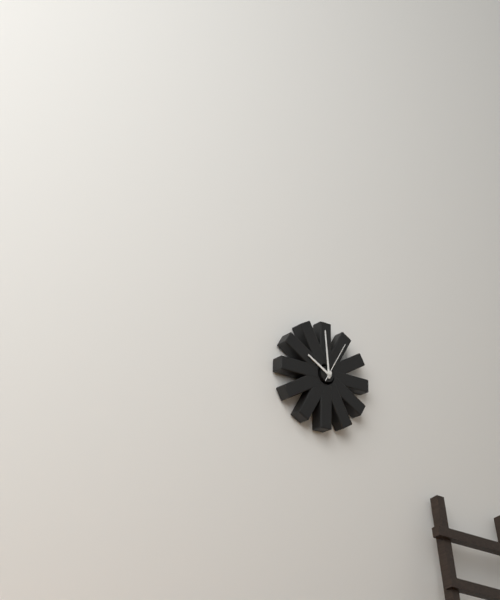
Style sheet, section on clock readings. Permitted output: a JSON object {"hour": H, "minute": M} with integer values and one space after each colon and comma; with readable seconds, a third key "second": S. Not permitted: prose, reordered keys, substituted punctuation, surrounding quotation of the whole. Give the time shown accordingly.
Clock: {"hour": 9, "minute": 59}
